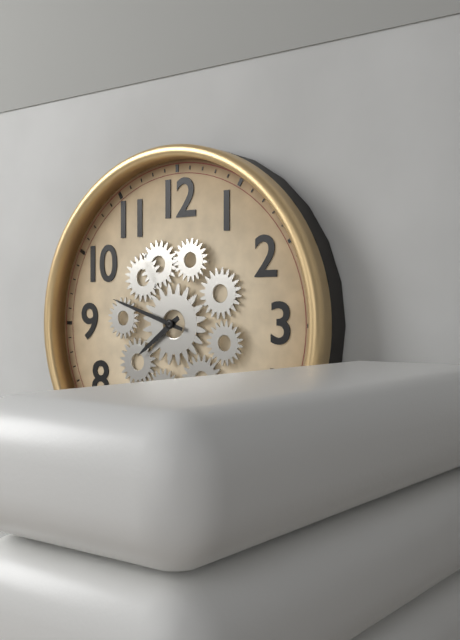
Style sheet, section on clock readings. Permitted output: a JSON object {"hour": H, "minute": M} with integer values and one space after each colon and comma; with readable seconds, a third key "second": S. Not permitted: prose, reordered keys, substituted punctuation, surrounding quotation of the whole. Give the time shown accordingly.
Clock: {"hour": 7, "minute": 48}
